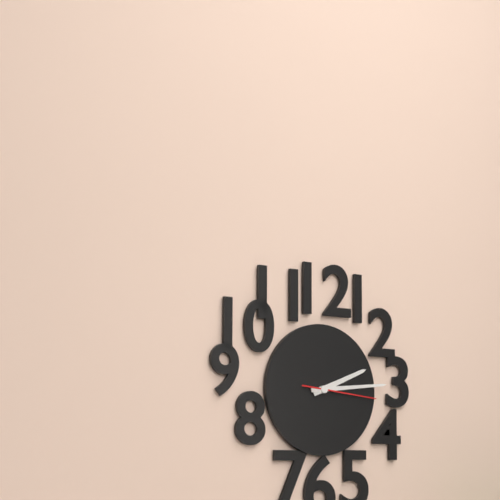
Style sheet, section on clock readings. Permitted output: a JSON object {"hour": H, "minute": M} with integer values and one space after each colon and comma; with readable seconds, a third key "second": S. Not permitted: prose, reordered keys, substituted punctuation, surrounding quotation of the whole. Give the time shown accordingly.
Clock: {"hour": 2, "minute": 14, "second": 16}
